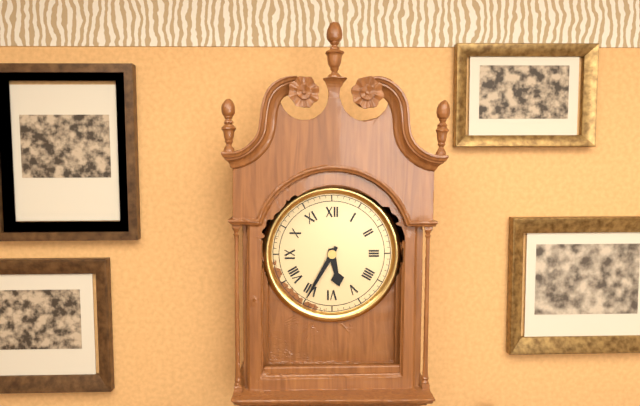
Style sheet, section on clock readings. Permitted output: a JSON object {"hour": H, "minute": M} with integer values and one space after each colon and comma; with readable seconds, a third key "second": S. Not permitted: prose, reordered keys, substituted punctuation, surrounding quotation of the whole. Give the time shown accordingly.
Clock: {"hour": 5, "minute": 35}
